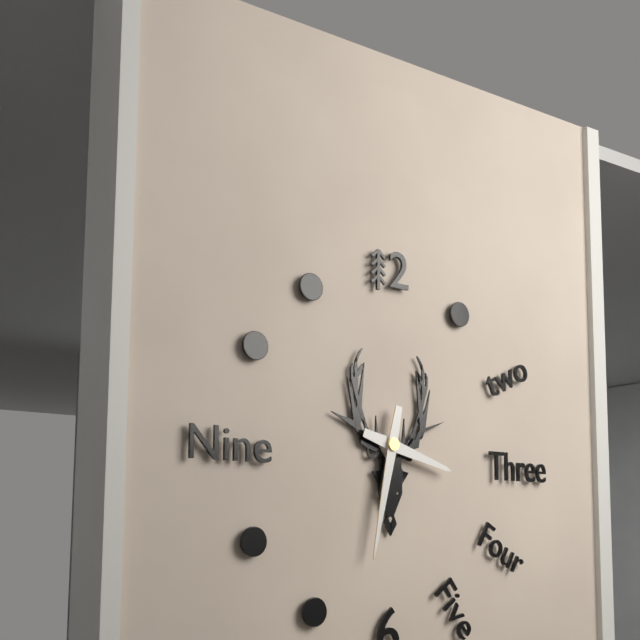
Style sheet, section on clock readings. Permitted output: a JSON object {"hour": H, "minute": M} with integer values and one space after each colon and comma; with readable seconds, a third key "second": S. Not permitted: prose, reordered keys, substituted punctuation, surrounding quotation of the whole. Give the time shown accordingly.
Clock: {"hour": 3, "minute": 32}
